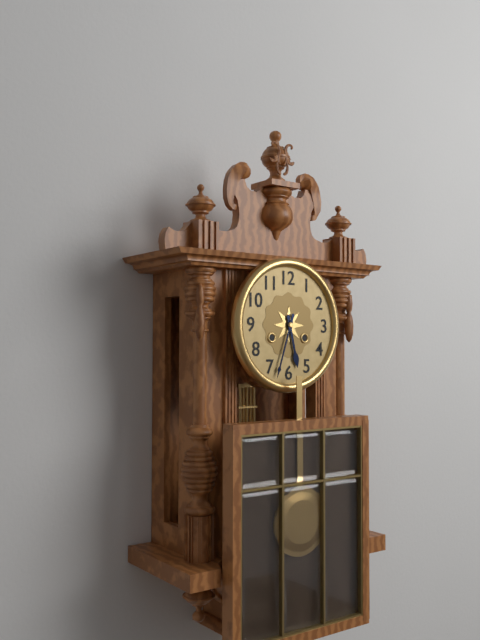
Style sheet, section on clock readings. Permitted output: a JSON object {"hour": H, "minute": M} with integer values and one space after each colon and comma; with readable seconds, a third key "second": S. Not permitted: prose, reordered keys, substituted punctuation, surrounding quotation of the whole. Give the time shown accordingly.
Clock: {"hour": 5, "minute": 33}
